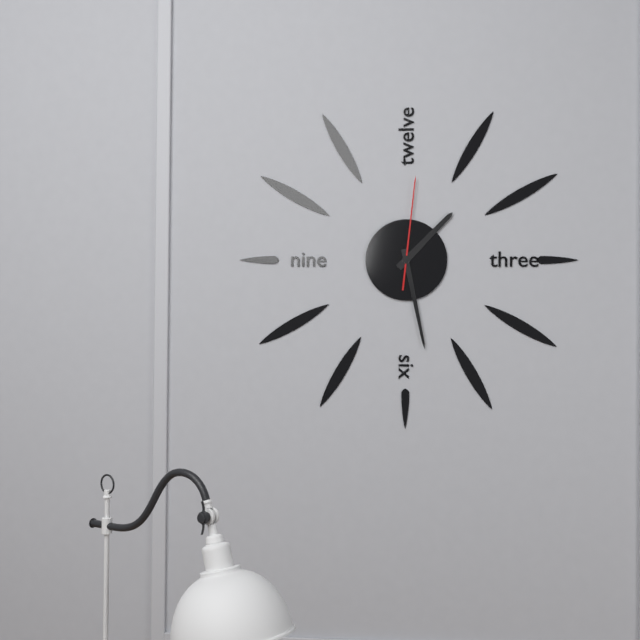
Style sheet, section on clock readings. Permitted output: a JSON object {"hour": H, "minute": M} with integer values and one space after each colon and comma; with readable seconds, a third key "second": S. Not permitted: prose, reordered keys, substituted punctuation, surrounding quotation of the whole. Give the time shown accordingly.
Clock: {"hour": 1, "minute": 28, "second": 1}
